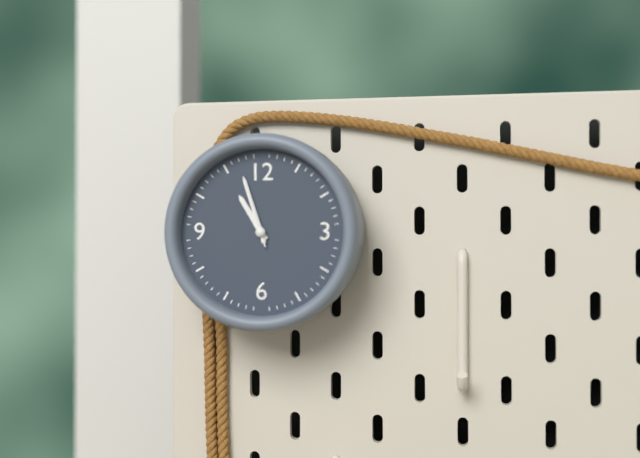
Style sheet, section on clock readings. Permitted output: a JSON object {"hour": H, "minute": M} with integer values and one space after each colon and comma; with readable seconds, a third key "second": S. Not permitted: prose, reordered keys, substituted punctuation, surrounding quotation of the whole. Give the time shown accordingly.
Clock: {"hour": 10, "minute": 57, "second": 57}
